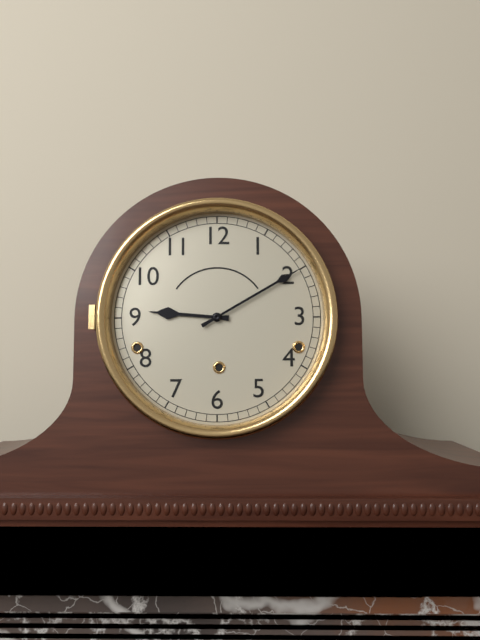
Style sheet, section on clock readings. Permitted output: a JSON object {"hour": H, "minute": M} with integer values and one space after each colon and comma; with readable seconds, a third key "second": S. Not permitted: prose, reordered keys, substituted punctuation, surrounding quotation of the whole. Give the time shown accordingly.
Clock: {"hour": 9, "minute": 10}
